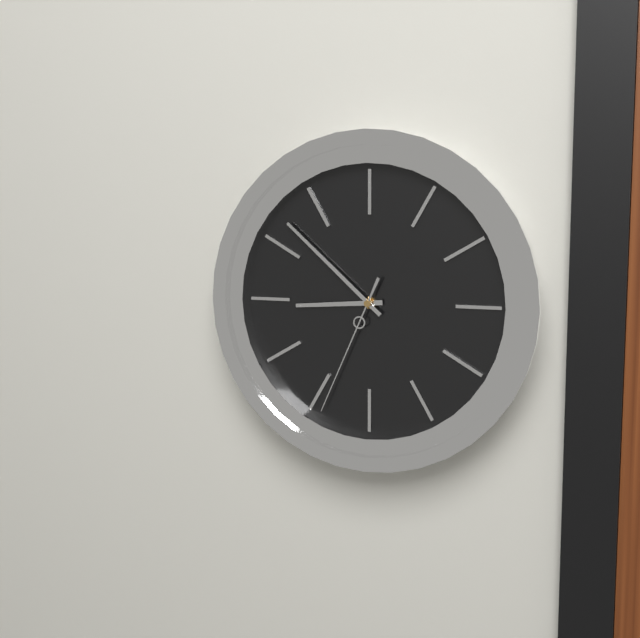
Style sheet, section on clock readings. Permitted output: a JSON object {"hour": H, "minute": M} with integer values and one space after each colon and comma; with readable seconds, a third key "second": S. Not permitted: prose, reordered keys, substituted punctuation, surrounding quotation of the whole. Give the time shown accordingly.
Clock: {"hour": 8, "minute": 52, "second": 34}
